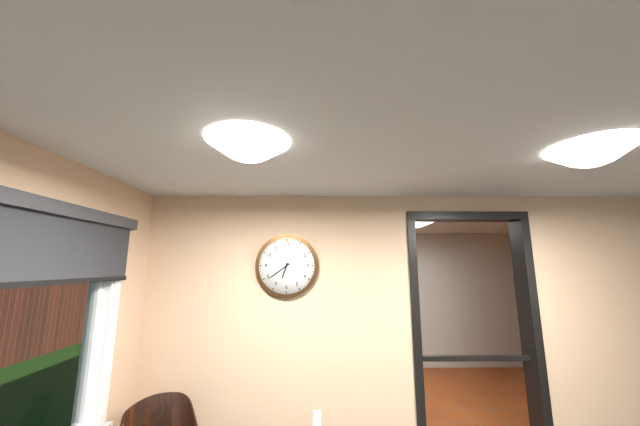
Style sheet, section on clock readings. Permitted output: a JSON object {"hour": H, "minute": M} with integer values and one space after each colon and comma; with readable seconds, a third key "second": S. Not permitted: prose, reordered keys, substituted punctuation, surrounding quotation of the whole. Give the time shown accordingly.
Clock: {"hour": 6, "minute": 39}
